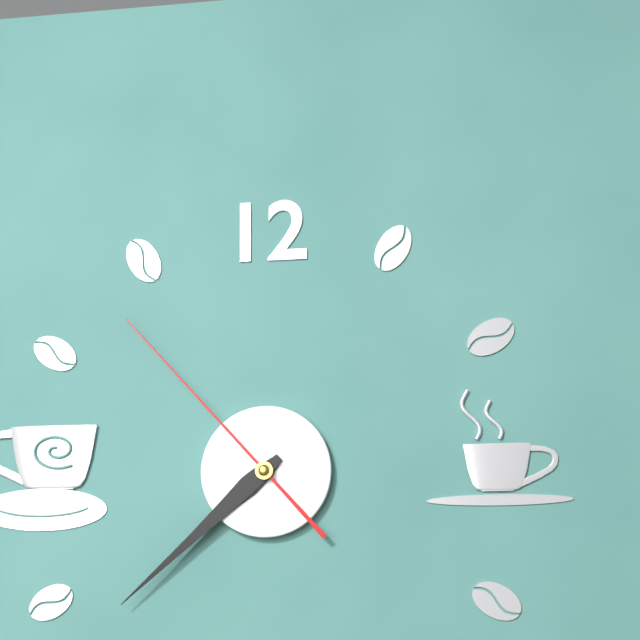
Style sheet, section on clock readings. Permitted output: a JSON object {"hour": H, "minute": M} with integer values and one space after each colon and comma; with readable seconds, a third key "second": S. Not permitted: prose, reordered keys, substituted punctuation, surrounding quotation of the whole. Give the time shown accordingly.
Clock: {"hour": 7, "minute": 38, "second": 53}
